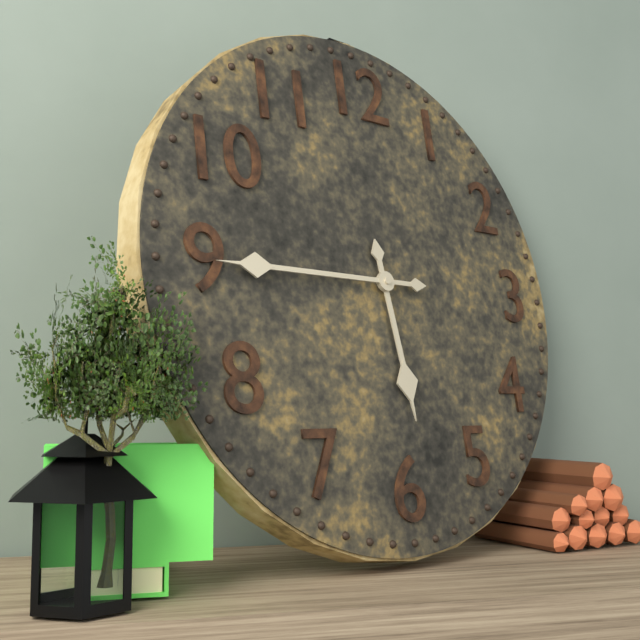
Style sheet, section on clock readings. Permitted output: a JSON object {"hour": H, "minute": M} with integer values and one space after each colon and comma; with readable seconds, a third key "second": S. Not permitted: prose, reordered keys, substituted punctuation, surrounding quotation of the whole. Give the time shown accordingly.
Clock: {"hour": 5, "minute": 45}
